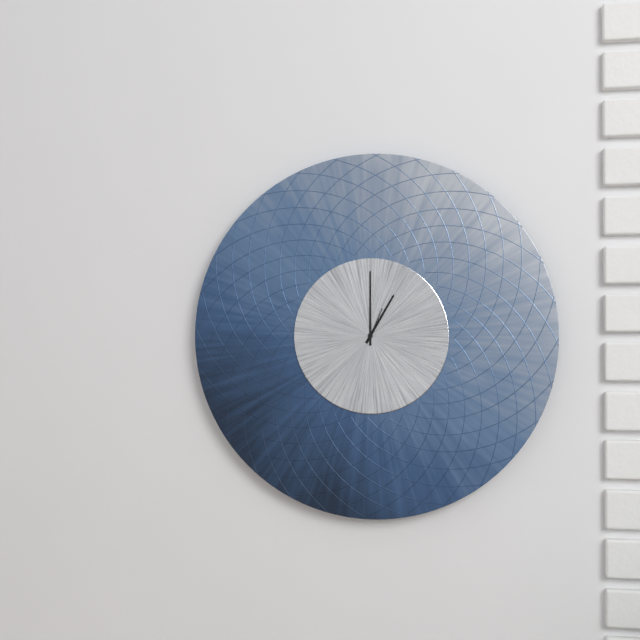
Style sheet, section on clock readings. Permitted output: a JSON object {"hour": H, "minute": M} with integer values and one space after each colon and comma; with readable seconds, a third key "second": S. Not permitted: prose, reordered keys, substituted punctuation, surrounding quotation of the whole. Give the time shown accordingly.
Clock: {"hour": 1, "minute": 0}
